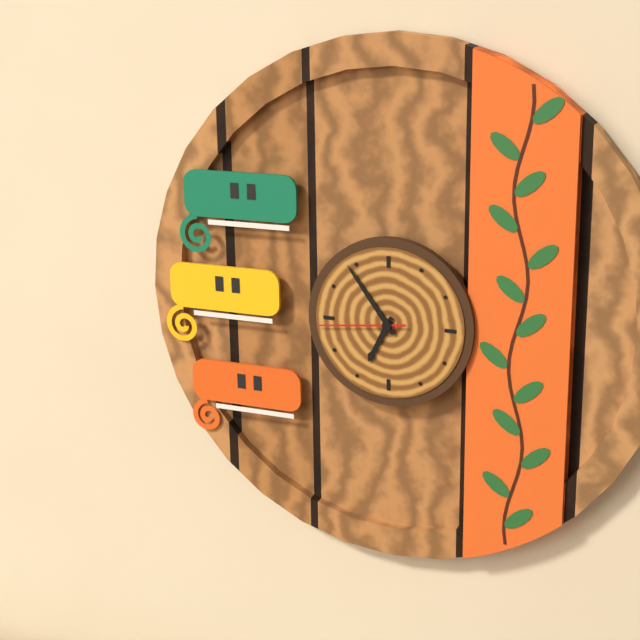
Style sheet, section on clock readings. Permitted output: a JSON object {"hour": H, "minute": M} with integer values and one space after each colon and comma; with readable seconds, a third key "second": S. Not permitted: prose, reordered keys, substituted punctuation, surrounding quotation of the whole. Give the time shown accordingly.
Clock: {"hour": 6, "minute": 54, "second": 44}
